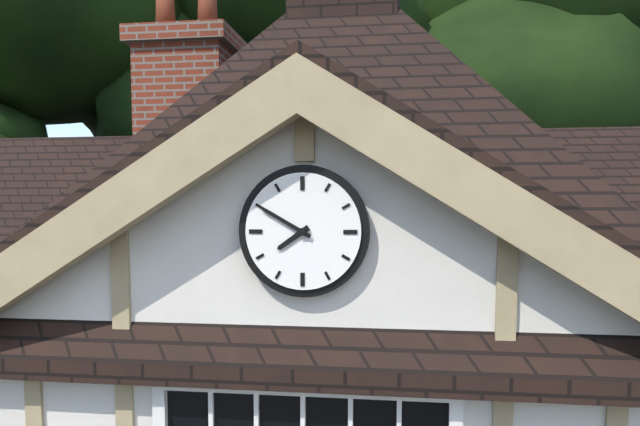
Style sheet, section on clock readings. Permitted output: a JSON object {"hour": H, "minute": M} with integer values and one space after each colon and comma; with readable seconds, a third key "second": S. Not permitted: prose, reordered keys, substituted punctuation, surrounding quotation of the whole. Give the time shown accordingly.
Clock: {"hour": 7, "minute": 50}
